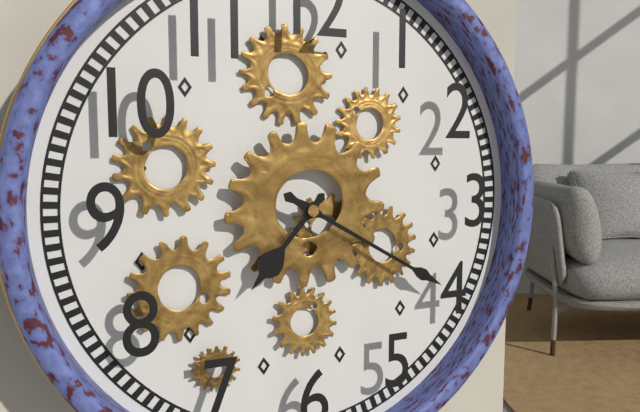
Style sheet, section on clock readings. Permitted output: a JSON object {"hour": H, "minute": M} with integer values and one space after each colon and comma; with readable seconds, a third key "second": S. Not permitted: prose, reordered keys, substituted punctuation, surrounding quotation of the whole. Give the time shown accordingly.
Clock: {"hour": 7, "minute": 20}
